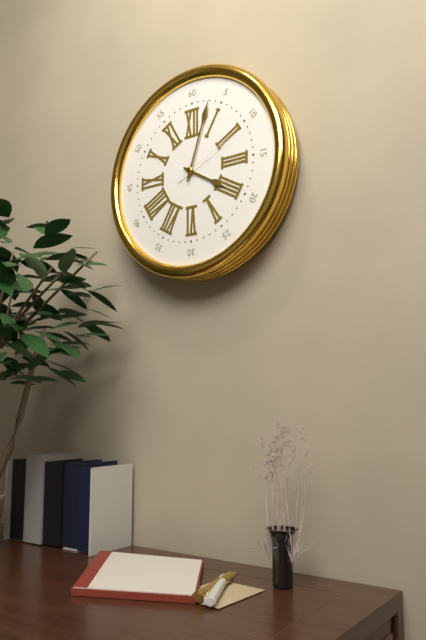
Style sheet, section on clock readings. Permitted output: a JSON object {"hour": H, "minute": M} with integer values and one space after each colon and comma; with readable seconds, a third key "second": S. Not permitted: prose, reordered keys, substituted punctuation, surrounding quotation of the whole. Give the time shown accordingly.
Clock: {"hour": 4, "minute": 3, "second": 11}
